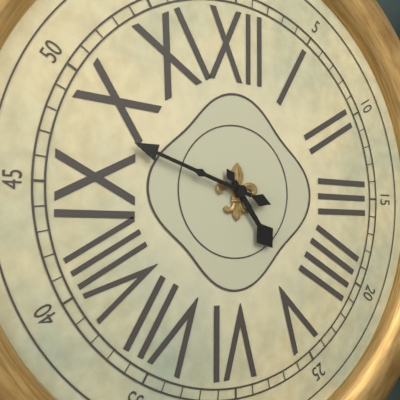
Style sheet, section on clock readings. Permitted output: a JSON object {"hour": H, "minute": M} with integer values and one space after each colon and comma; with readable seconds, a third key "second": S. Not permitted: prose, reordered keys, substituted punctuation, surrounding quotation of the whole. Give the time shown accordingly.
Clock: {"hour": 4, "minute": 48}
